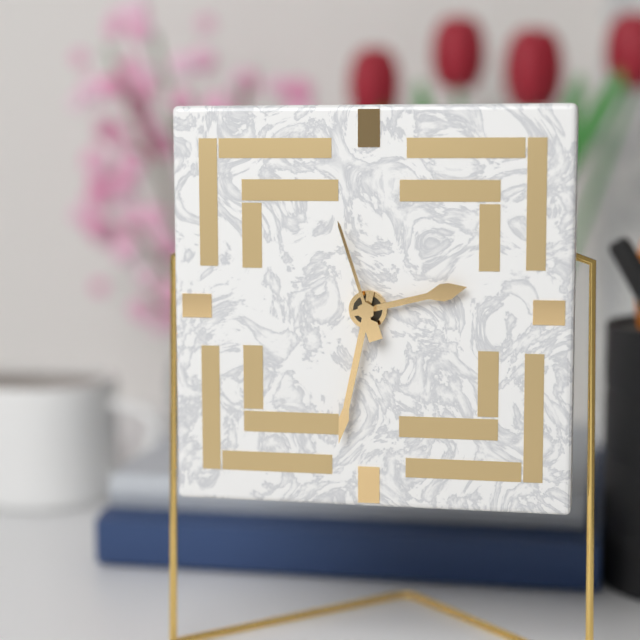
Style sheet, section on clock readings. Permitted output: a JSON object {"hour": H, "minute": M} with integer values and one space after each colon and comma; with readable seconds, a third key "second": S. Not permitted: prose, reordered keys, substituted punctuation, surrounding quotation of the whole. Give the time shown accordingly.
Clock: {"hour": 2, "minute": 32, "second": 57}
